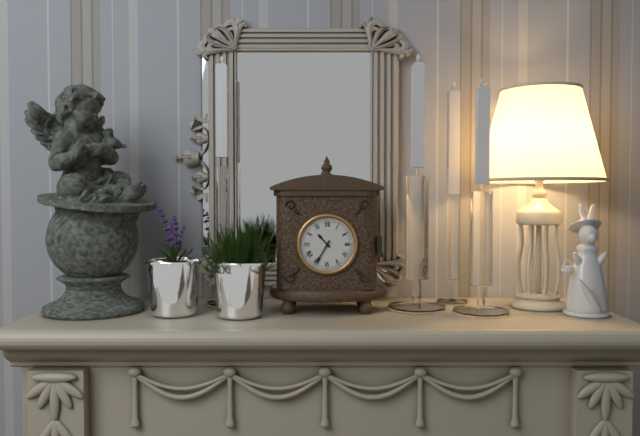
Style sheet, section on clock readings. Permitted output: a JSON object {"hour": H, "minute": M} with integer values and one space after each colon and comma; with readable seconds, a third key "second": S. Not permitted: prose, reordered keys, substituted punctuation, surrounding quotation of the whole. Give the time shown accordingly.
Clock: {"hour": 10, "minute": 35}
